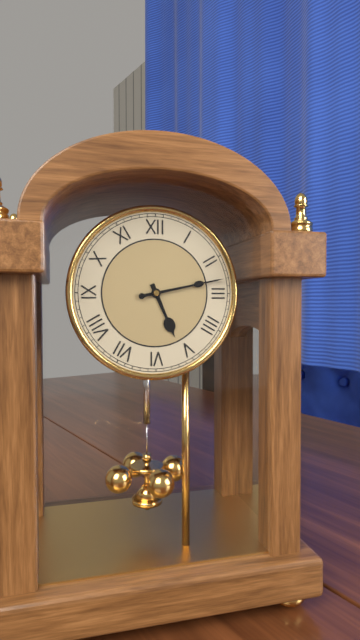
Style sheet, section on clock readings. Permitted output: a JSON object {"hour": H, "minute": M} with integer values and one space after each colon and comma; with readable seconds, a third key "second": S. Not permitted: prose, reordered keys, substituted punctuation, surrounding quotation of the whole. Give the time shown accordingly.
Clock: {"hour": 5, "minute": 13}
